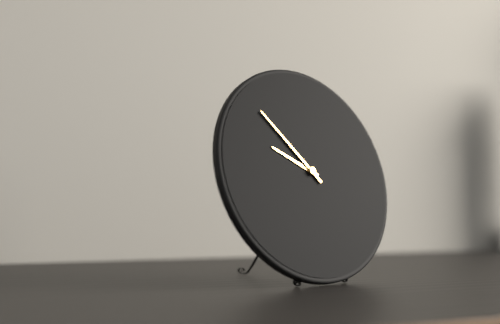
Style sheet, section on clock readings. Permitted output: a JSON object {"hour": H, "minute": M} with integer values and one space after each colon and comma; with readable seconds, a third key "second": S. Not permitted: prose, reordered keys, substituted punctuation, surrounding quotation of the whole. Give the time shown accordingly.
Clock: {"hour": 9, "minute": 53}
